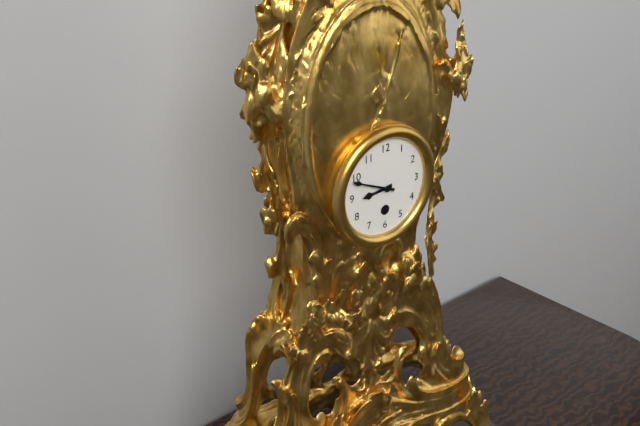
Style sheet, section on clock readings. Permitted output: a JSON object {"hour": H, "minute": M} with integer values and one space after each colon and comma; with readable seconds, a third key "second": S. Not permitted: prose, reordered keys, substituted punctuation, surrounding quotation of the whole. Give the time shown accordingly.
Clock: {"hour": 8, "minute": 49}
